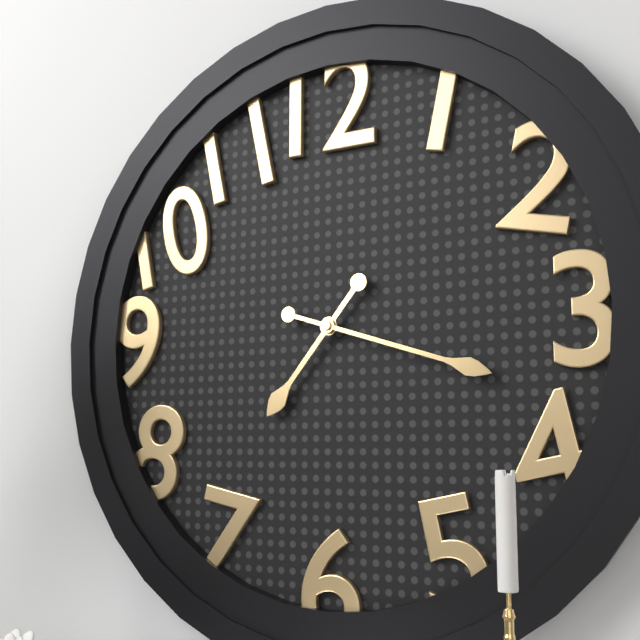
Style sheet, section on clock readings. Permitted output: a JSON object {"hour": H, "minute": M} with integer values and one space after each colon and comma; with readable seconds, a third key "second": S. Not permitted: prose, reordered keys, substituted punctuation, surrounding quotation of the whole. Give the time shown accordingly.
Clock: {"hour": 7, "minute": 18}
